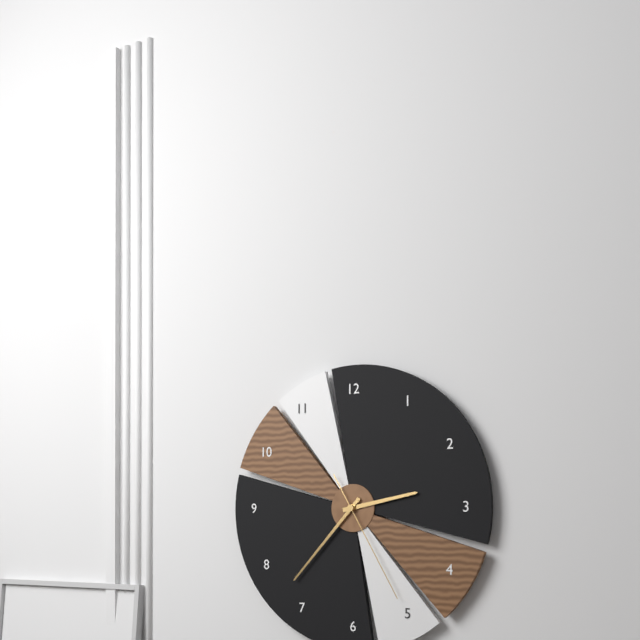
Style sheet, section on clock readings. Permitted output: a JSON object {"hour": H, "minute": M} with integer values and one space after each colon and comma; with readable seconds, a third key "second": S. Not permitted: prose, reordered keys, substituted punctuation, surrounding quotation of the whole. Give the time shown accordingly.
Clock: {"hour": 2, "minute": 37, "second": 25}
